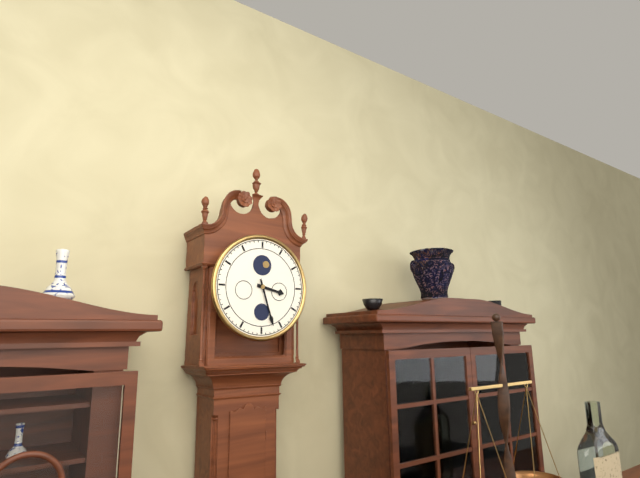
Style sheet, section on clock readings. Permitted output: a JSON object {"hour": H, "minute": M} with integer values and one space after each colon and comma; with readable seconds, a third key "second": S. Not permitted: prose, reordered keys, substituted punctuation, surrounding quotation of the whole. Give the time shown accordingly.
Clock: {"hour": 3, "minute": 27}
